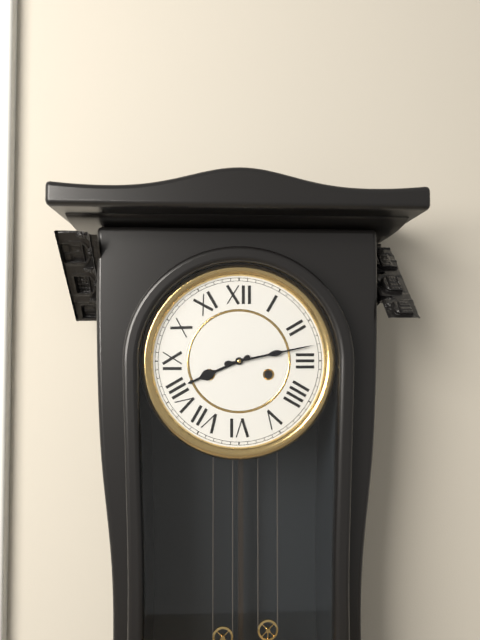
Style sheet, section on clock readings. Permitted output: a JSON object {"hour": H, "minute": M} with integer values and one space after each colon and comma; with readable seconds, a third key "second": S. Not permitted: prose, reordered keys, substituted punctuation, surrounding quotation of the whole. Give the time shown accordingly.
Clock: {"hour": 8, "minute": 13}
